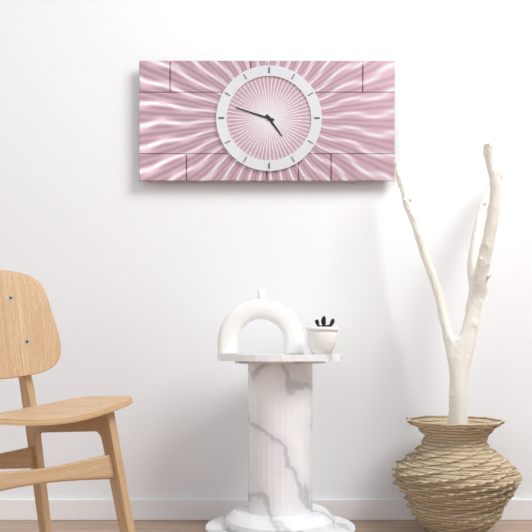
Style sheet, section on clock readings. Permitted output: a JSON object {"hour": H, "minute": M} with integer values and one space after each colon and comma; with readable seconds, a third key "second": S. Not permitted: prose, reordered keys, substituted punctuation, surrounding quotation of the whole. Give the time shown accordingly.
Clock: {"hour": 4, "minute": 48}
